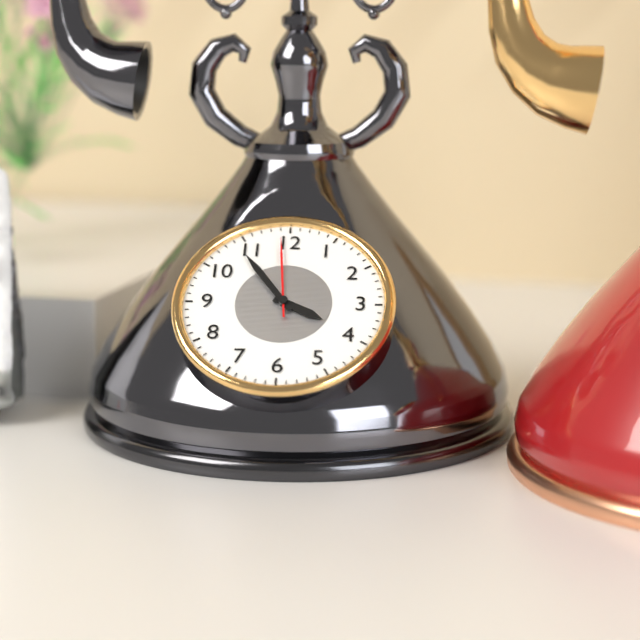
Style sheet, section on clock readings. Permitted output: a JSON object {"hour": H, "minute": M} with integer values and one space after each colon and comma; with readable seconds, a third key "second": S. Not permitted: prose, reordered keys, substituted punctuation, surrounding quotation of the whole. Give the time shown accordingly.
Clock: {"hour": 3, "minute": 54, "second": 59}
